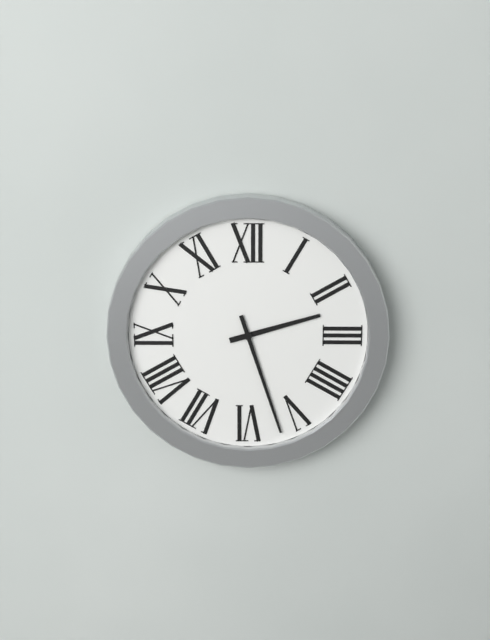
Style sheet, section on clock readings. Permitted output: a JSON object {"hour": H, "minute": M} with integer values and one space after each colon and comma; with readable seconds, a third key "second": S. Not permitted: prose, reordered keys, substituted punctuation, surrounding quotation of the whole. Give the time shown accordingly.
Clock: {"hour": 2, "minute": 27}
